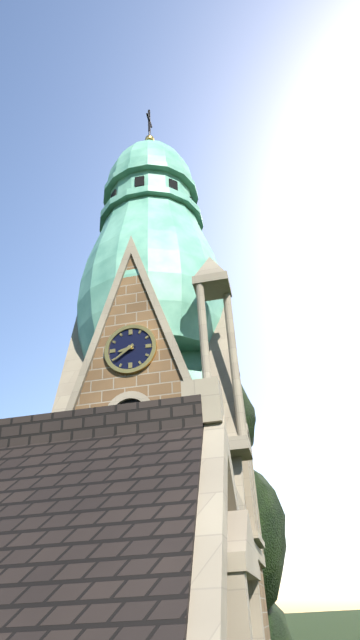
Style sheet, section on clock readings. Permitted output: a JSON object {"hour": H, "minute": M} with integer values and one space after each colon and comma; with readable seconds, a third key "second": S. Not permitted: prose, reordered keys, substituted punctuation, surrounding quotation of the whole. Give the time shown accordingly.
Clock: {"hour": 8, "minute": 39}
